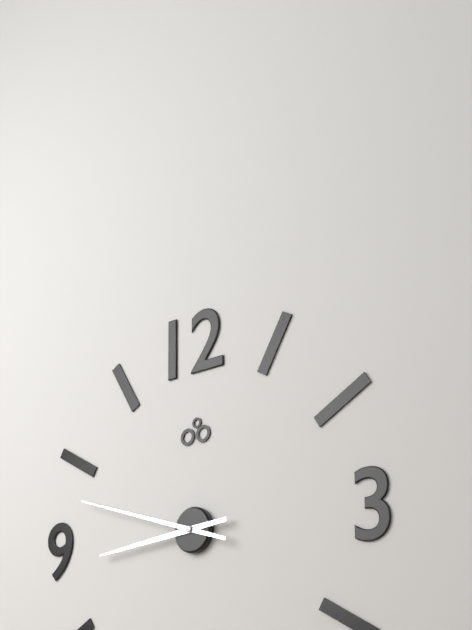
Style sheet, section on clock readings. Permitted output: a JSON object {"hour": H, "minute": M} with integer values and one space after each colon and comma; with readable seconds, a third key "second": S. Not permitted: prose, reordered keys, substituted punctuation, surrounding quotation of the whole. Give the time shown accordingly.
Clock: {"hour": 8, "minute": 48}
